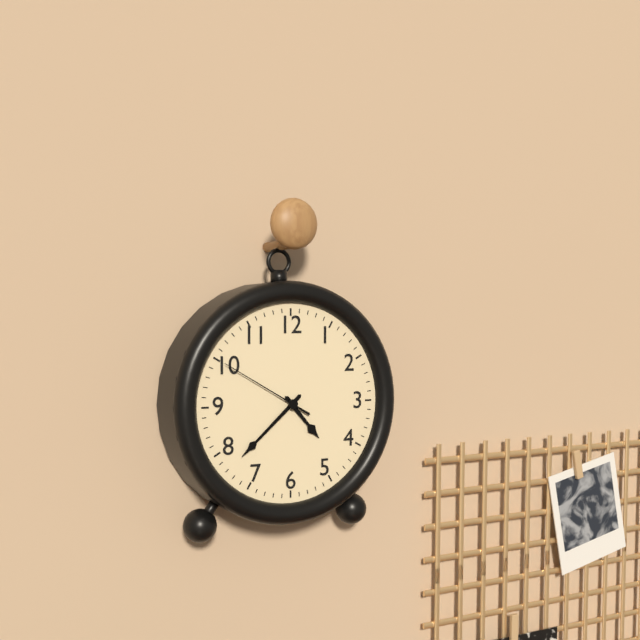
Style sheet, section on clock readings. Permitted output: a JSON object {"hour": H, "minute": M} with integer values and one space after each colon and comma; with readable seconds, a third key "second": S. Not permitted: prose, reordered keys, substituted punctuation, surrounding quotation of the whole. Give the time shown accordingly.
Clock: {"hour": 4, "minute": 38, "second": 50}
